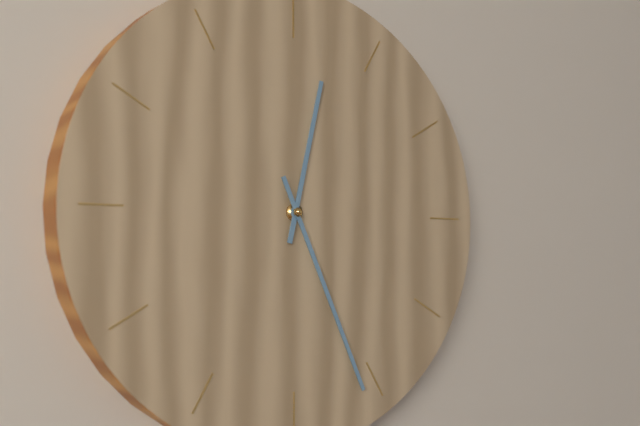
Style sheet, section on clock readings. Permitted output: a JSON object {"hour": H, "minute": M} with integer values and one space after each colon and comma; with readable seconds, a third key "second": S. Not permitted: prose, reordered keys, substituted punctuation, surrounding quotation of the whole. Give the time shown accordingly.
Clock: {"hour": 12, "minute": 26}
